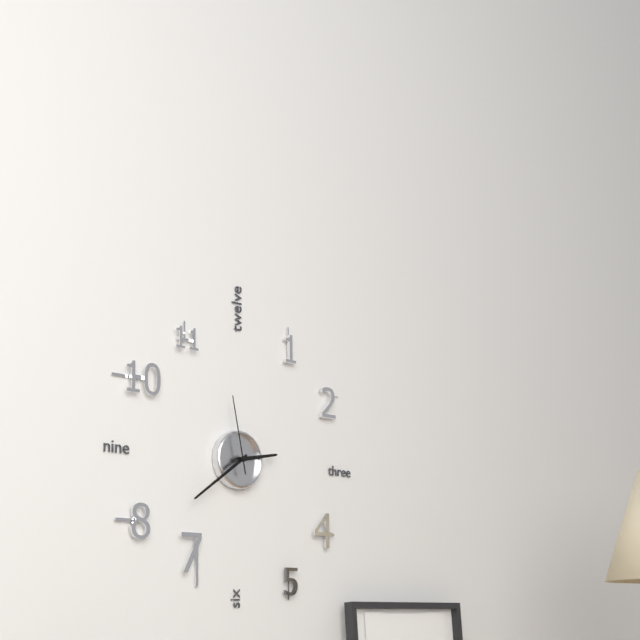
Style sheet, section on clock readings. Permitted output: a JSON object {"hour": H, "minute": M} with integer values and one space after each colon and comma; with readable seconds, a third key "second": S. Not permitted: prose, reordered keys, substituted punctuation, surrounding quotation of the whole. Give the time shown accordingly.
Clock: {"hour": 2, "minute": 39, "second": 58}
